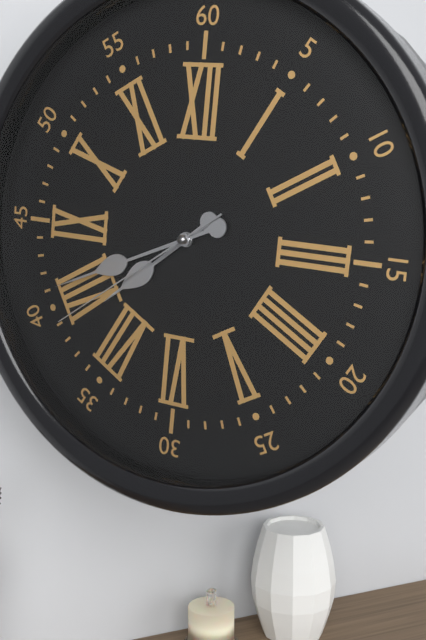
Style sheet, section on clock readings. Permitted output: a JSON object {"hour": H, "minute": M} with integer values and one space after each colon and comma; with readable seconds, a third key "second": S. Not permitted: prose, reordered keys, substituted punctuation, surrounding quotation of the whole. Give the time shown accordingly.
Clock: {"hour": 7, "minute": 41, "second": 39}
